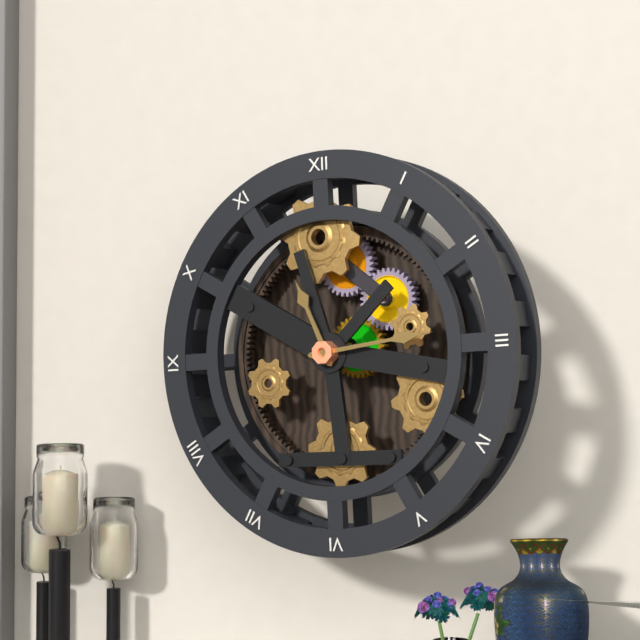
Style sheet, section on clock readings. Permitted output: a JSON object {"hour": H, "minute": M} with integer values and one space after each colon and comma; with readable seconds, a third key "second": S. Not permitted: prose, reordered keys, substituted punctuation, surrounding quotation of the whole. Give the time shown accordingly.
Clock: {"hour": 11, "minute": 14}
